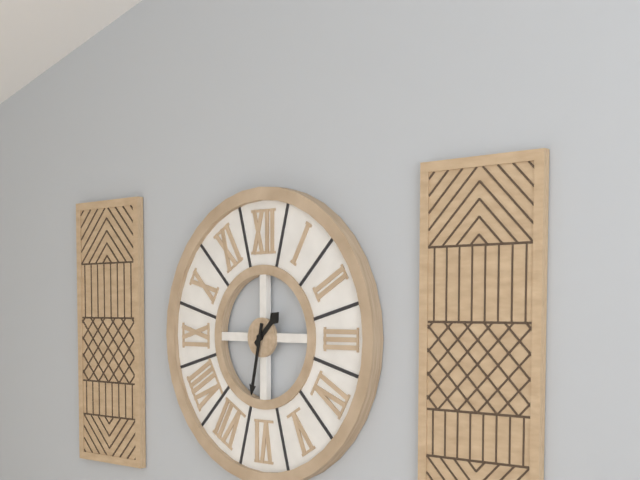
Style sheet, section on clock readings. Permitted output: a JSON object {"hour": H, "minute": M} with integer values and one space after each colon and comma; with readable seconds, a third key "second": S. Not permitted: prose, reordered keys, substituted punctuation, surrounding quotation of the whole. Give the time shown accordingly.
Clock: {"hour": 1, "minute": 32}
